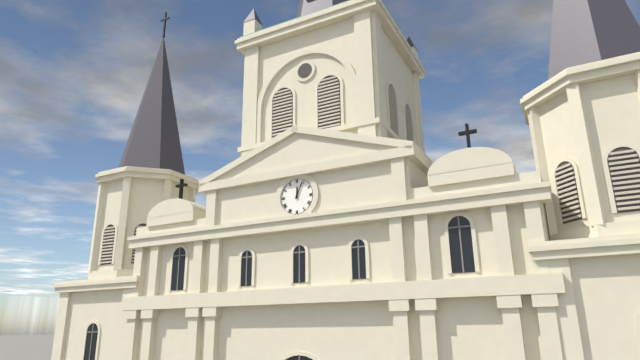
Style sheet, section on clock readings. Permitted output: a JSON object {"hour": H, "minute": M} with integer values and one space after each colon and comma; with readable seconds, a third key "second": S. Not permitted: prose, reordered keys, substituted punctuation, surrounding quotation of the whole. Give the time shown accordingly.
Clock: {"hour": 12, "minute": 4}
